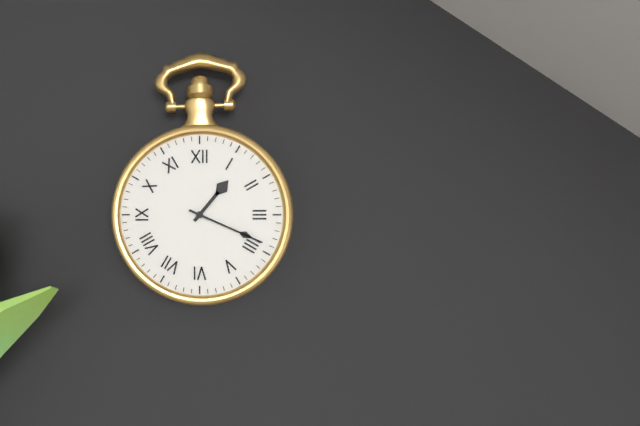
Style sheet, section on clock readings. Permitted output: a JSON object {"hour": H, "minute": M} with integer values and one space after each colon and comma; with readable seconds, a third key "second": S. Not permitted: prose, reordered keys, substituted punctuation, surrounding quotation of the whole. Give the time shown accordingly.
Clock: {"hour": 1, "minute": 19}
